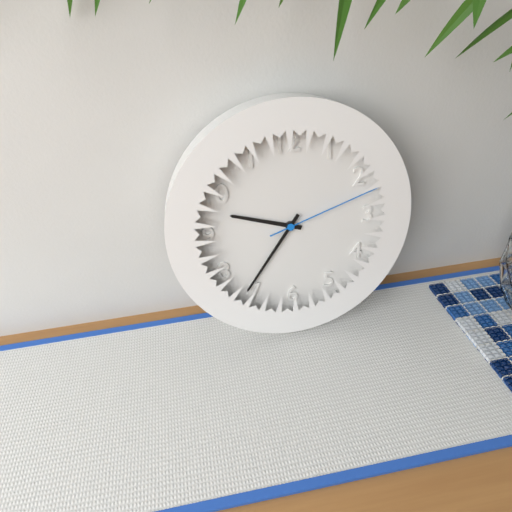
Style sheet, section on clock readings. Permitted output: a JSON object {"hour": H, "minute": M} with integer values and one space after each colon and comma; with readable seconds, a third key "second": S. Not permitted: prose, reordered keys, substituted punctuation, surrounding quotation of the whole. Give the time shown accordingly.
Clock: {"hour": 9, "minute": 36, "second": 12}
